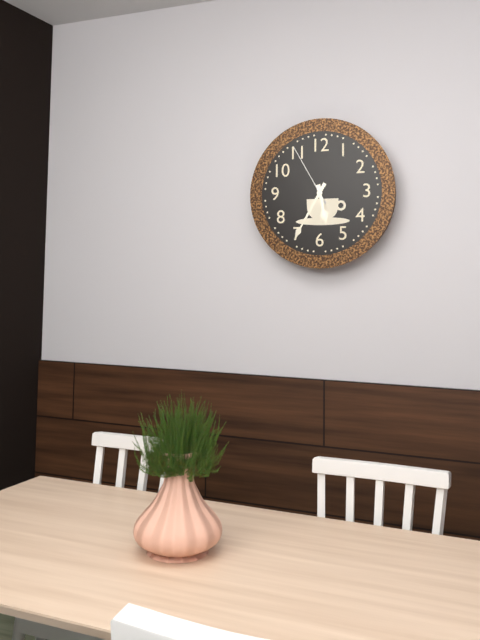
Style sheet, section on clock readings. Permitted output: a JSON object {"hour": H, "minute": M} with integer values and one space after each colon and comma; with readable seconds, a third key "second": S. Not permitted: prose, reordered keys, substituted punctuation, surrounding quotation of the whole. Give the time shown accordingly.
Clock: {"hour": 5, "minute": 35, "second": 55}
